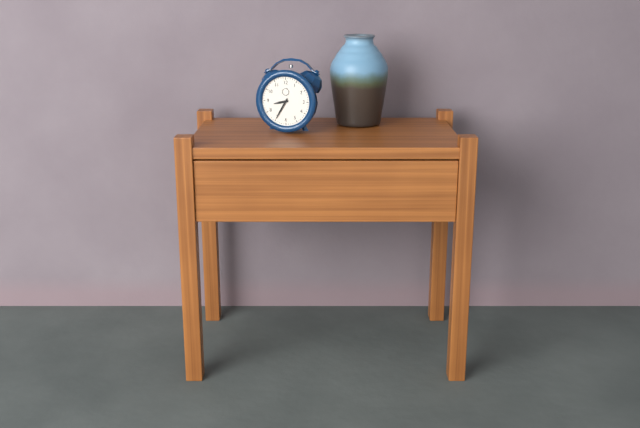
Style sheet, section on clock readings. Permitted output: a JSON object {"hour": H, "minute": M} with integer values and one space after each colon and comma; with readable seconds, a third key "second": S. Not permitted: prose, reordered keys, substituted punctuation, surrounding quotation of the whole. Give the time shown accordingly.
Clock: {"hour": 8, "minute": 35}
